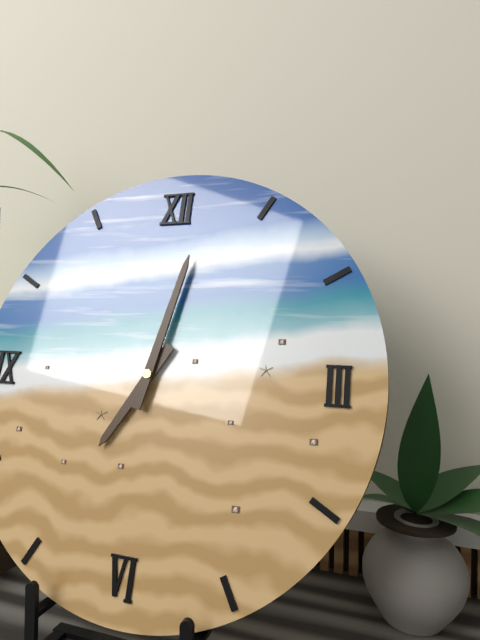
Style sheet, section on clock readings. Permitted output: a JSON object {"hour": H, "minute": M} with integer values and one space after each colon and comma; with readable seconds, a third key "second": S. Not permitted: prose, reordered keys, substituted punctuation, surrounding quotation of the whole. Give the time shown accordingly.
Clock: {"hour": 7, "minute": 2}
